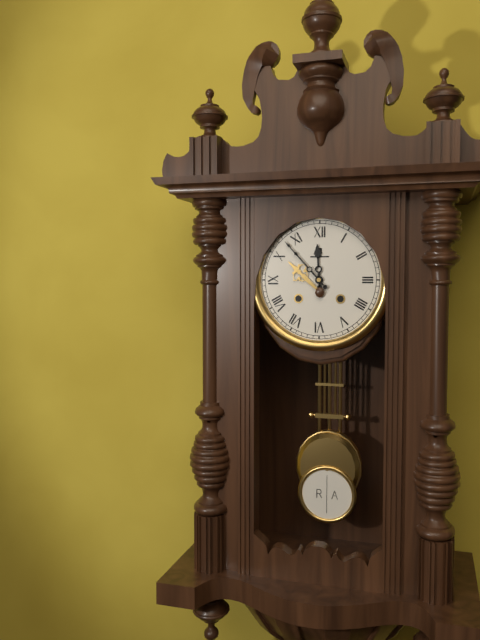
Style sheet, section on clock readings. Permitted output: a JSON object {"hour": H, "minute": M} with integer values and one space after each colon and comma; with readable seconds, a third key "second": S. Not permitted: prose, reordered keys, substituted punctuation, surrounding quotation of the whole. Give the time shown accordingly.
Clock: {"hour": 11, "minute": 53}
